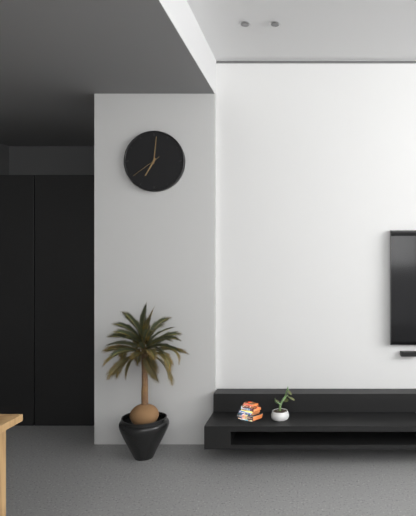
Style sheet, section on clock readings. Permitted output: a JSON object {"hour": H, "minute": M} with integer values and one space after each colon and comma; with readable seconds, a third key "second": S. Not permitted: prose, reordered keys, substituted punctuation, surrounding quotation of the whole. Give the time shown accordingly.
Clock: {"hour": 7, "minute": 1}
